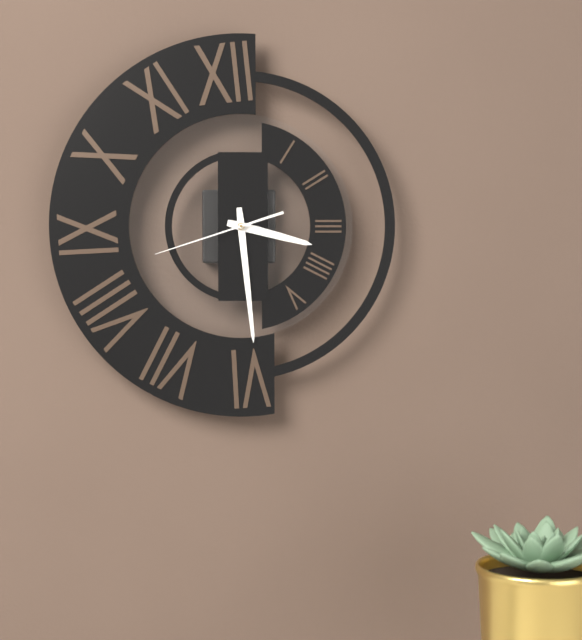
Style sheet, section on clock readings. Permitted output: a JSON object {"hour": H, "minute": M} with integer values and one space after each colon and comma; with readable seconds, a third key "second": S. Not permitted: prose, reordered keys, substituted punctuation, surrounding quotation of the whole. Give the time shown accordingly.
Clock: {"hour": 3, "minute": 29, "second": 42}
